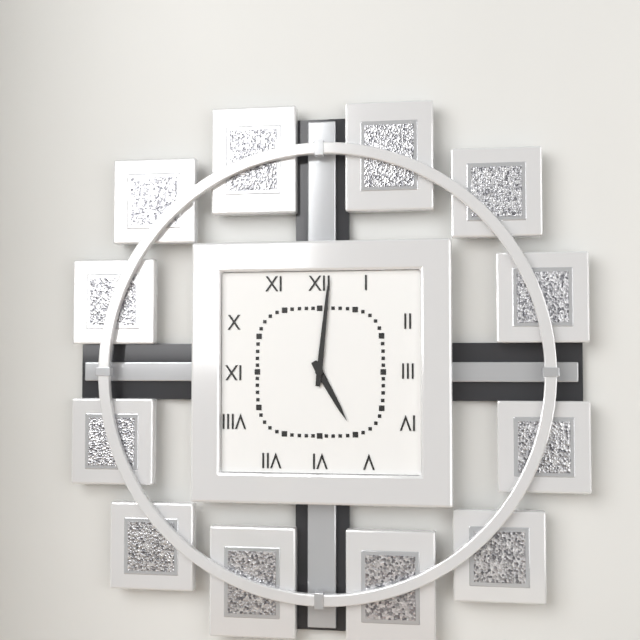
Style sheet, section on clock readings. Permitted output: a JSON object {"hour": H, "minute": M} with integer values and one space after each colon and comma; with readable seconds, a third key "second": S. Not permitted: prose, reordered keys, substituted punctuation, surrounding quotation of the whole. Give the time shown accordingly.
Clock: {"hour": 5, "minute": 1}
